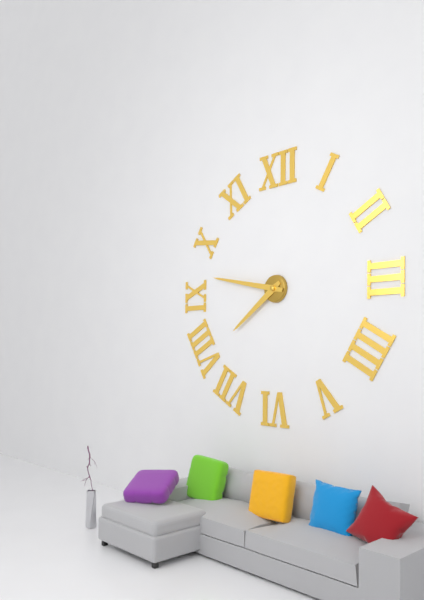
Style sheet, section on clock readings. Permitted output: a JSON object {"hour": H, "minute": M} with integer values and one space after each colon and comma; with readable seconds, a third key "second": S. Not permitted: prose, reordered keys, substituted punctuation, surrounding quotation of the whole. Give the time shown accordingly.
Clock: {"hour": 7, "minute": 47}
